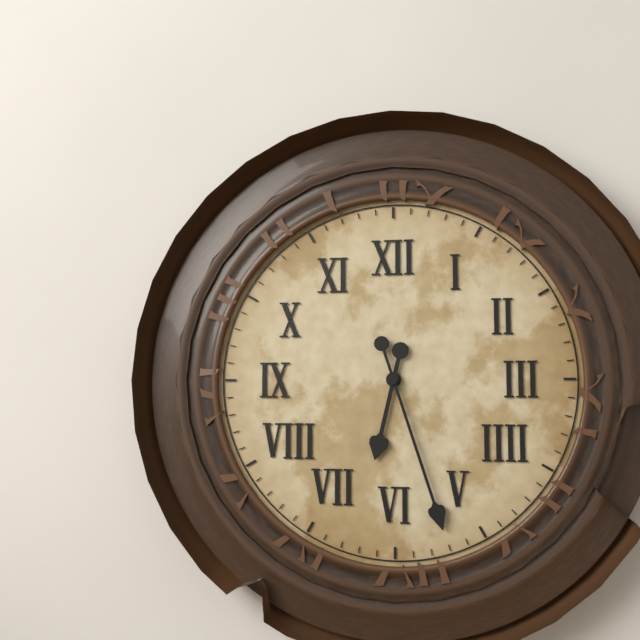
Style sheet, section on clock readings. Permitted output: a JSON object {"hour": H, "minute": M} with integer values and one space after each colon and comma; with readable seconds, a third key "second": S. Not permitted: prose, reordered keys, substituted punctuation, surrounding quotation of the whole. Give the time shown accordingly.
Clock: {"hour": 6, "minute": 27}
